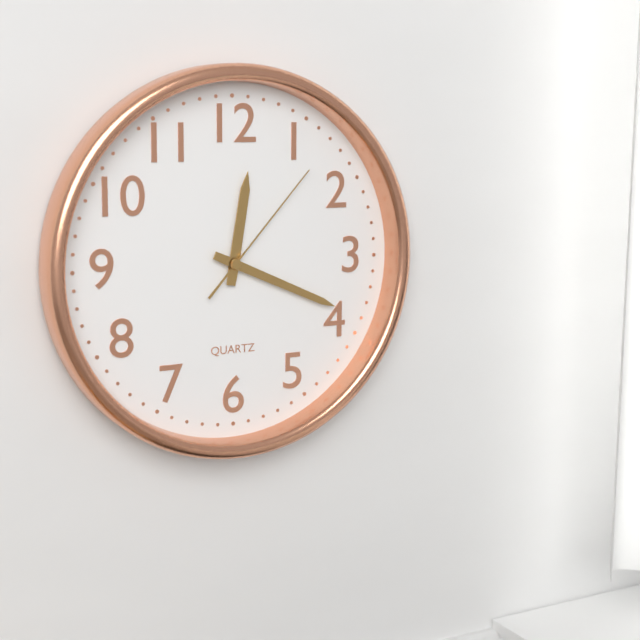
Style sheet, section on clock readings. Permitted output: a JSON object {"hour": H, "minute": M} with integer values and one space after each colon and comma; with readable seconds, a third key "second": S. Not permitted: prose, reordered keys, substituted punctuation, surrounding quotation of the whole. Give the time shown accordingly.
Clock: {"hour": 12, "minute": 19, "second": 7}
